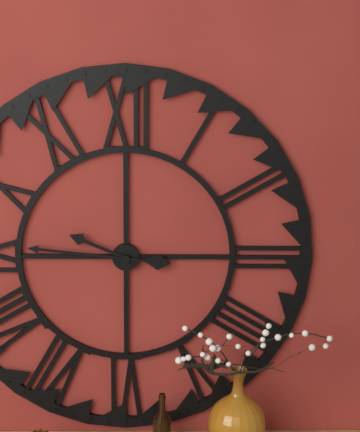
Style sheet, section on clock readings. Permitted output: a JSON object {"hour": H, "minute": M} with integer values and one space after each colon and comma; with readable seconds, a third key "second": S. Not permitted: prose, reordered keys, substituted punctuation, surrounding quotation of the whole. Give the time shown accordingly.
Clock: {"hour": 9, "minute": 46}
